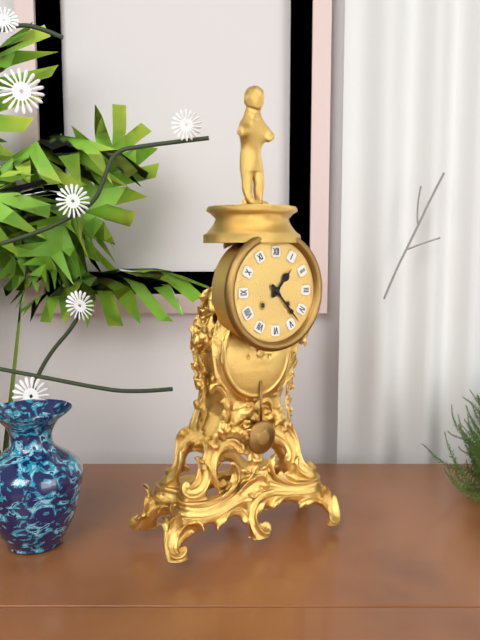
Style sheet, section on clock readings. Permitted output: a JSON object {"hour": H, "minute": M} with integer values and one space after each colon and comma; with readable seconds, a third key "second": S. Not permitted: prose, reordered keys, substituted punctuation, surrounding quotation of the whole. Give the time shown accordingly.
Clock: {"hour": 1, "minute": 23}
